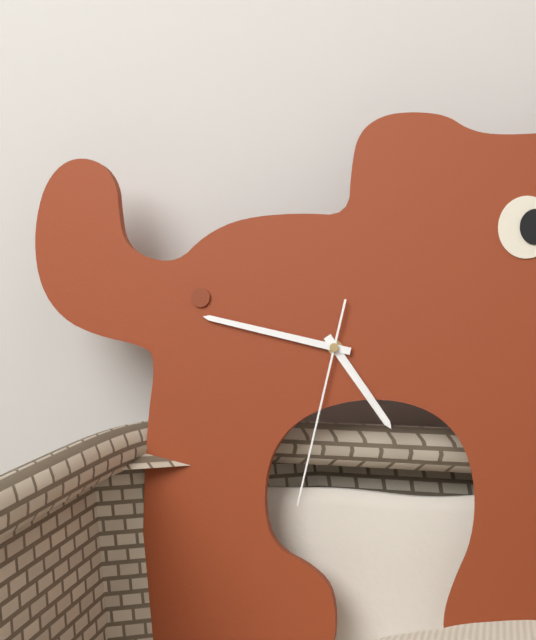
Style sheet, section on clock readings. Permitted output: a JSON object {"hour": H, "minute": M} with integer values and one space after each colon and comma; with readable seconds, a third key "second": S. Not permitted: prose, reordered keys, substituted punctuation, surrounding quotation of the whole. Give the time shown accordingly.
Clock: {"hour": 4, "minute": 47, "second": 32}
